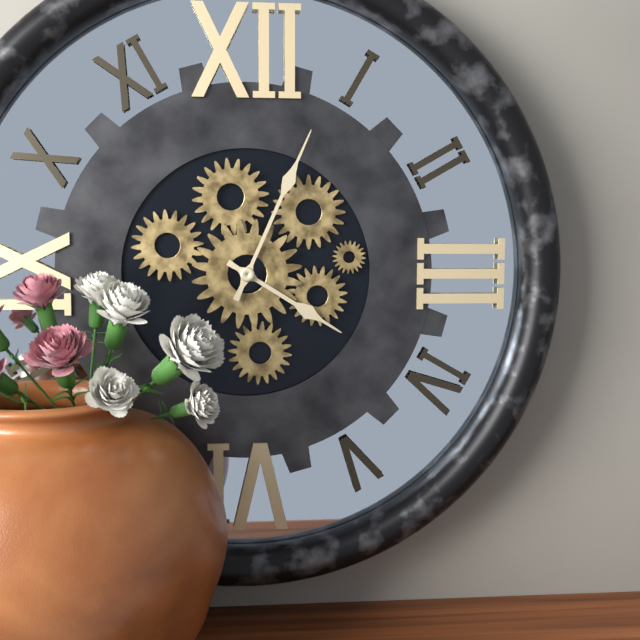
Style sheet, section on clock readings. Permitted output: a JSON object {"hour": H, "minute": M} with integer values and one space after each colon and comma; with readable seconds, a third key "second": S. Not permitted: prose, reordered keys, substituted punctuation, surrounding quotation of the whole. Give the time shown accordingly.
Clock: {"hour": 4, "minute": 4}
